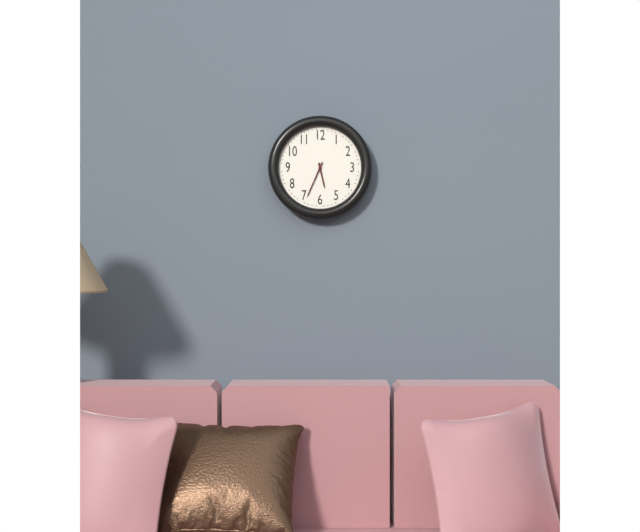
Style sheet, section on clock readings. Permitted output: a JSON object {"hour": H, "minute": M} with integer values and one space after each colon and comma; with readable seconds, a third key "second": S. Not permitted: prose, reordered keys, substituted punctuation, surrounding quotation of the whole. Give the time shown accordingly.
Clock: {"hour": 5, "minute": 34}
